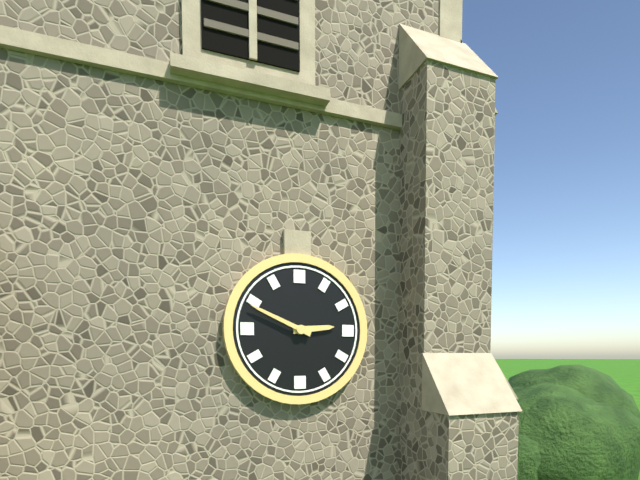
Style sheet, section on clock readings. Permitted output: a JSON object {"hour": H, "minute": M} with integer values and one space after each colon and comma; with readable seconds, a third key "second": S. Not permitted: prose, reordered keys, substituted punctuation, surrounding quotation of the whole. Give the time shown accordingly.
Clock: {"hour": 2, "minute": 49}
